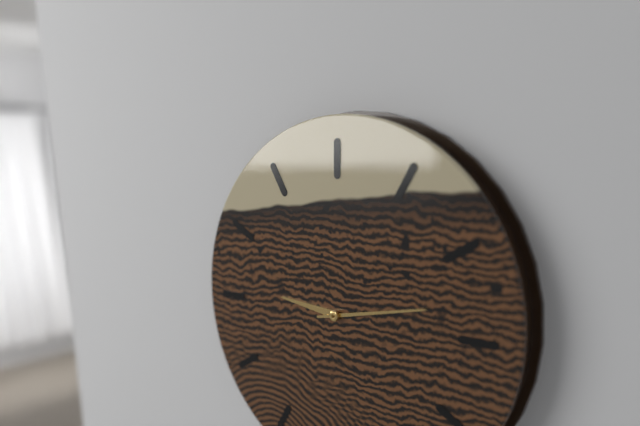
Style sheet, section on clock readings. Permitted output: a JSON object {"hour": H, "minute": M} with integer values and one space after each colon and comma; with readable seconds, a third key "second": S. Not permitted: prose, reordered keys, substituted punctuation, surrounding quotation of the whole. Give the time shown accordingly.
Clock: {"hour": 9, "minute": 13}
